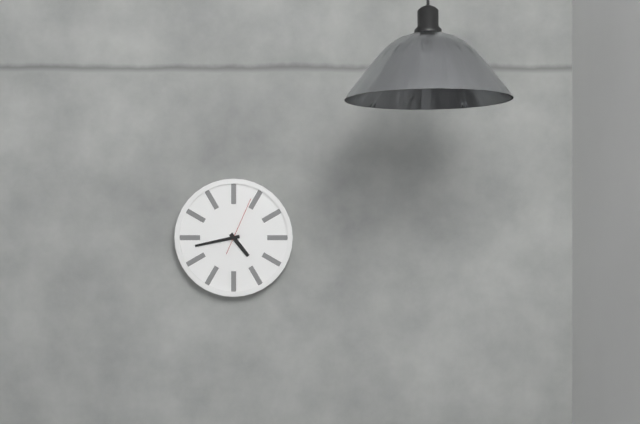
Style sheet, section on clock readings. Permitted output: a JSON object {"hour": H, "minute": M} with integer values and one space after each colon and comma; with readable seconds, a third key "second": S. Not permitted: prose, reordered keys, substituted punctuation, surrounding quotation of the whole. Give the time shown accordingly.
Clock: {"hour": 4, "minute": 43, "second": 4}
